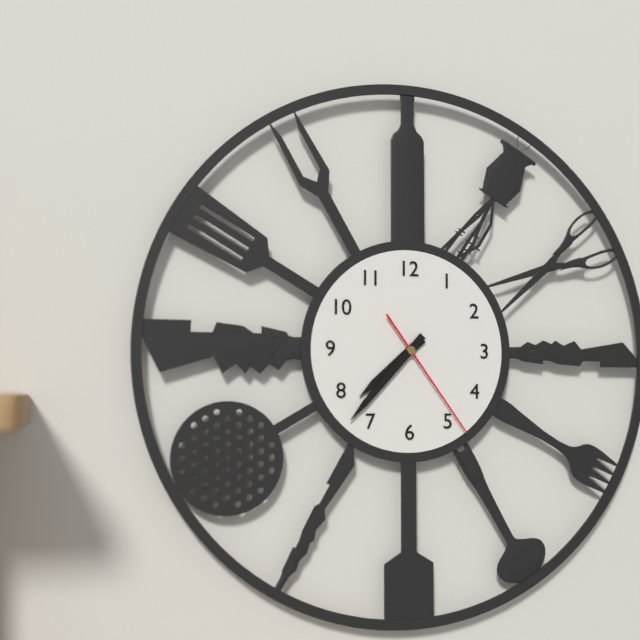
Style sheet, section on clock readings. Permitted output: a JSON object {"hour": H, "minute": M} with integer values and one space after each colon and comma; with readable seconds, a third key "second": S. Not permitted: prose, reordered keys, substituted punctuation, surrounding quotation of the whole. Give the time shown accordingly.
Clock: {"hour": 7, "minute": 37, "second": 24}
